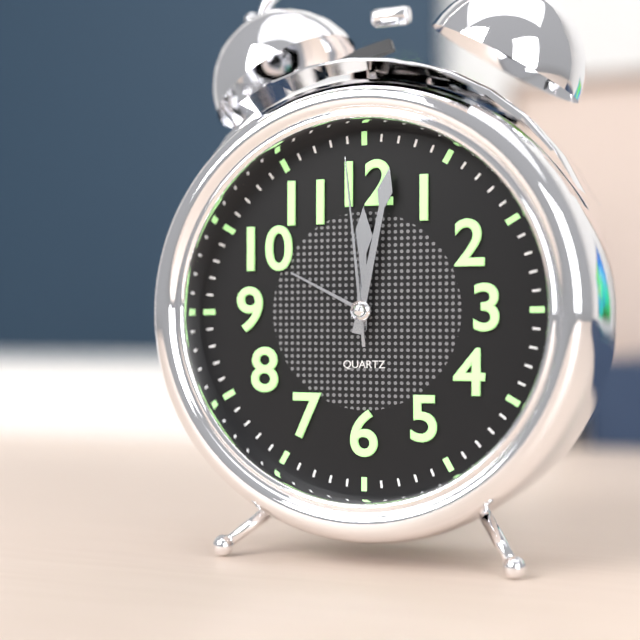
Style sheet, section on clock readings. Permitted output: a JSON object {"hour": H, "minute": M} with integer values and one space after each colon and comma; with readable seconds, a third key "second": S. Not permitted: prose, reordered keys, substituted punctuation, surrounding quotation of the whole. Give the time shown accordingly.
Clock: {"hour": 12, "minute": 2, "second": 59}
